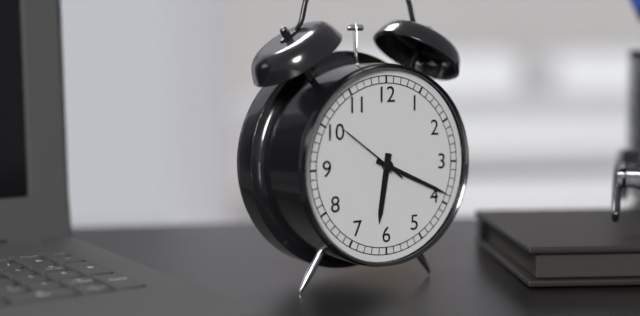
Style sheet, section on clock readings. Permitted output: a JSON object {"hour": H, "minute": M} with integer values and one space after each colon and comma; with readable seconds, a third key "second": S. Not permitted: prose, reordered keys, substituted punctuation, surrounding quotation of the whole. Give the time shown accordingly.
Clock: {"hour": 6, "minute": 19, "second": 51}
